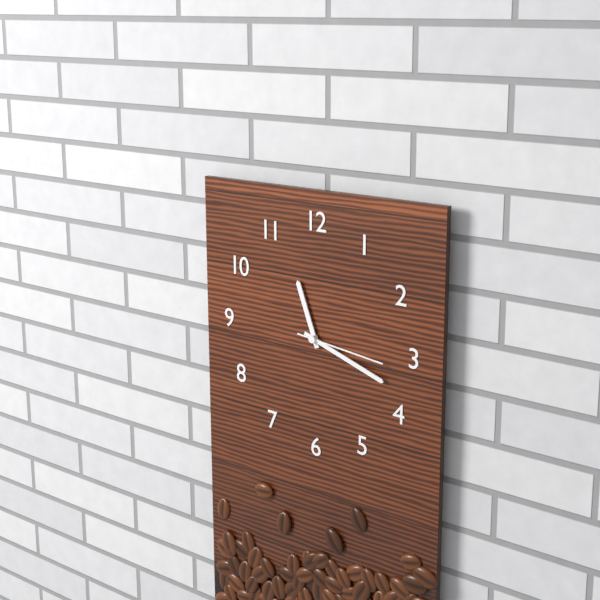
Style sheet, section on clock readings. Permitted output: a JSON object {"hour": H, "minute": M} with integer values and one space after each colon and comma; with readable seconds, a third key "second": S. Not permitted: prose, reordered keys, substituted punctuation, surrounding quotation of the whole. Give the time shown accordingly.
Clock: {"hour": 11, "minute": 18, "second": 16}
